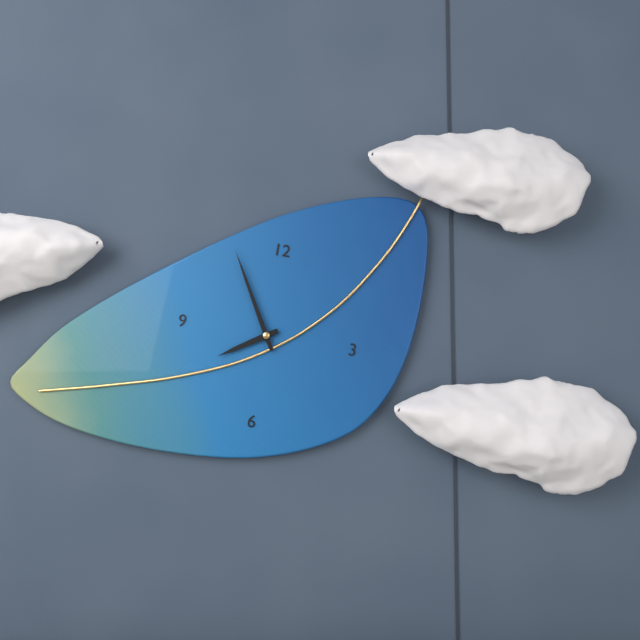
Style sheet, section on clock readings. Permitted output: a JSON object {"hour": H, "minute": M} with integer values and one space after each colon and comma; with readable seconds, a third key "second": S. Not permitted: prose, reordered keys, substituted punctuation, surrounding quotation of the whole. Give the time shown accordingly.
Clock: {"hour": 7, "minute": 55}
